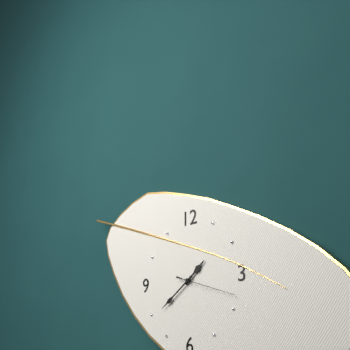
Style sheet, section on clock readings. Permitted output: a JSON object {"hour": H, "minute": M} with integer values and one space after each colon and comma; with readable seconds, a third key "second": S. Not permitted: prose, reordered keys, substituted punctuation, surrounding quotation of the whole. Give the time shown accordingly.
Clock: {"hour": 1, "minute": 39, "second": 18}
